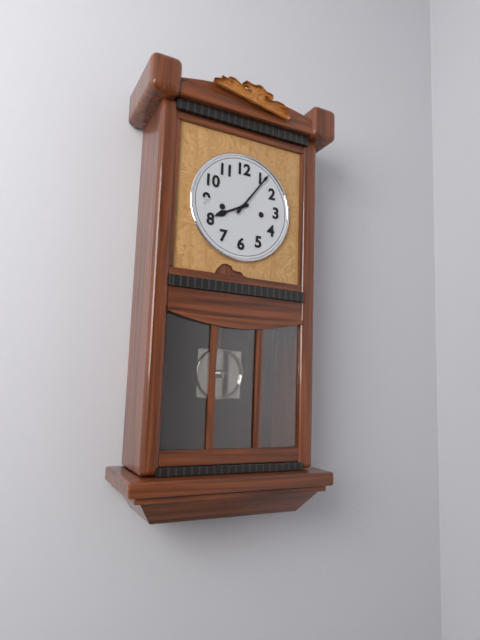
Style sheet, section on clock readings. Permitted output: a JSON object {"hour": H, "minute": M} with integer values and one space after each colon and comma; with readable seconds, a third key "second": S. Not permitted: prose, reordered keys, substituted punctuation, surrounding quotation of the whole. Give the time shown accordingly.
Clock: {"hour": 8, "minute": 6}
